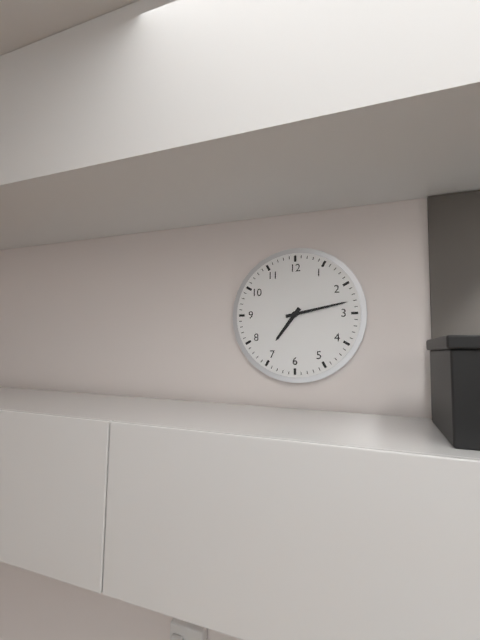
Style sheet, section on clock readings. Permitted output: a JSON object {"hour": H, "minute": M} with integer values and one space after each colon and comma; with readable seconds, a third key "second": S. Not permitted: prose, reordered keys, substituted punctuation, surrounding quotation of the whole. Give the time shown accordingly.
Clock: {"hour": 7, "minute": 13}
